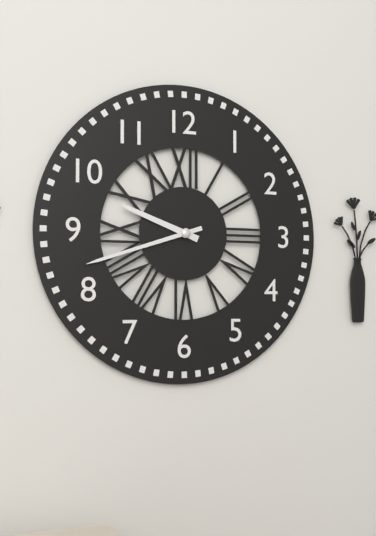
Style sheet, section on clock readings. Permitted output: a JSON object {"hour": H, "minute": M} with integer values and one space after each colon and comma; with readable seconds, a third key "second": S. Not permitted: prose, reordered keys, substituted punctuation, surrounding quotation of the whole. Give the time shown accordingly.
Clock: {"hour": 9, "minute": 42}
